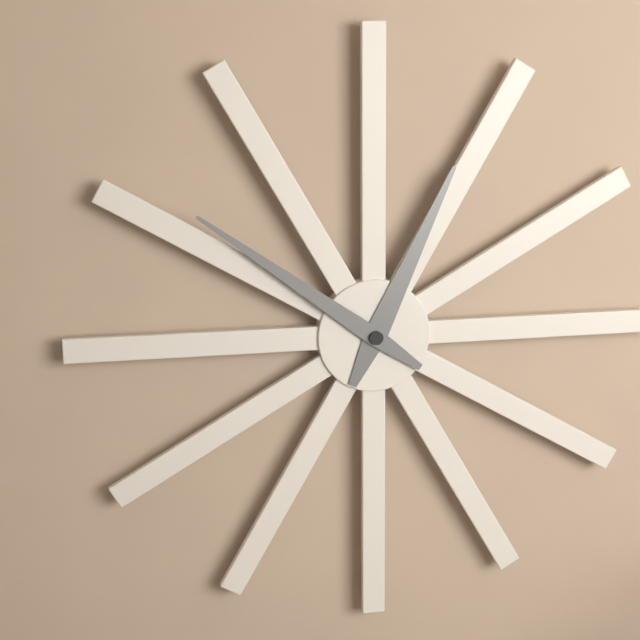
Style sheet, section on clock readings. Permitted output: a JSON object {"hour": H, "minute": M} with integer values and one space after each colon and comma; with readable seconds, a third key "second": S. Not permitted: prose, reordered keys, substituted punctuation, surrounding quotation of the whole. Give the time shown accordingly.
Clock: {"hour": 12, "minute": 51}
